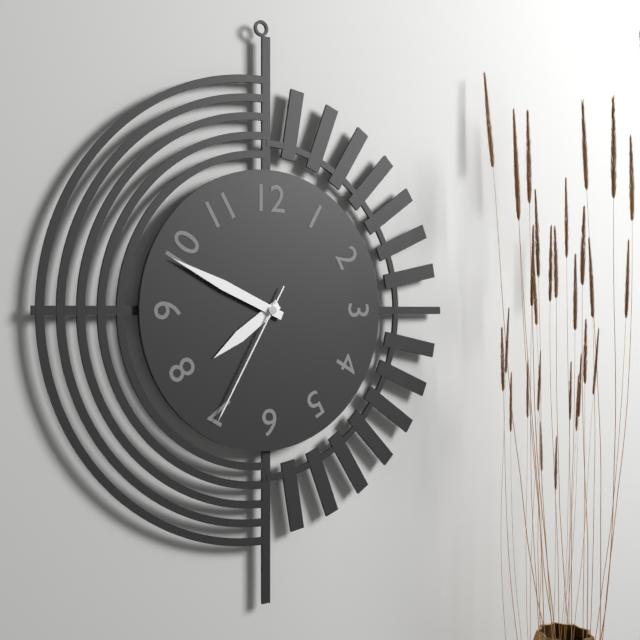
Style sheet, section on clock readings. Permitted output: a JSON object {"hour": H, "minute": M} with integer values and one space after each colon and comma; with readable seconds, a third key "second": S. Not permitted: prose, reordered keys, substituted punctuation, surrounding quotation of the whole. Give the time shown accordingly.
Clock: {"hour": 7, "minute": 49, "second": 35}
